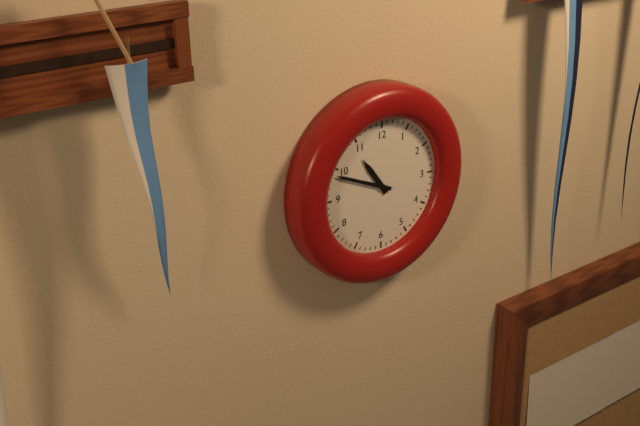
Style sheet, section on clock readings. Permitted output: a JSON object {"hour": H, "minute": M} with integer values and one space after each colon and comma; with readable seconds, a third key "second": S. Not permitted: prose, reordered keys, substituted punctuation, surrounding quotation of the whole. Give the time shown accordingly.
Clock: {"hour": 10, "minute": 49}
